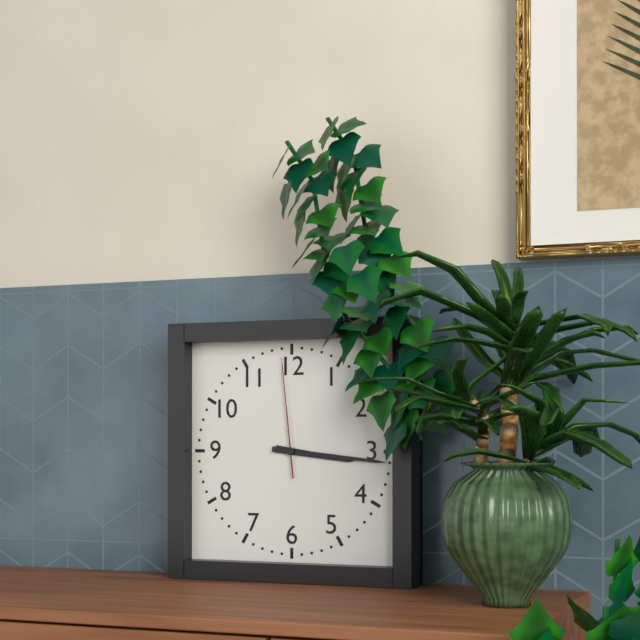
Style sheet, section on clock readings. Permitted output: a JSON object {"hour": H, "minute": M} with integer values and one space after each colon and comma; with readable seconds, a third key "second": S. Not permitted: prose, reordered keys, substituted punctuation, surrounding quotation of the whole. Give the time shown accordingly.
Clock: {"hour": 3, "minute": 16, "second": 59}
